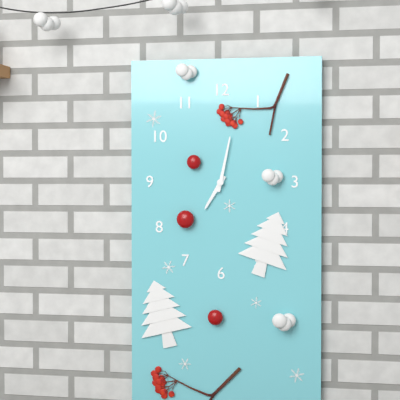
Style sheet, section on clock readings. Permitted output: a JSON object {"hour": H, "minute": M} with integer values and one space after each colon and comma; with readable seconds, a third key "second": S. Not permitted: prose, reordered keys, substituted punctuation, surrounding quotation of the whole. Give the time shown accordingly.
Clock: {"hour": 7, "minute": 2}
